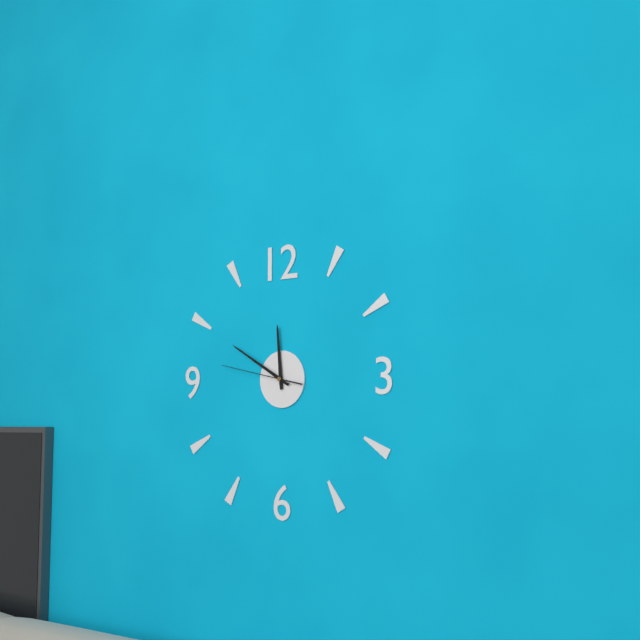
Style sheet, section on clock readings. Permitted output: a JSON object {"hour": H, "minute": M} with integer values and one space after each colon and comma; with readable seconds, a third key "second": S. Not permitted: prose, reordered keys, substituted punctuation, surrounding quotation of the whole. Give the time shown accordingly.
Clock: {"hour": 11, "minute": 50, "second": 47}
